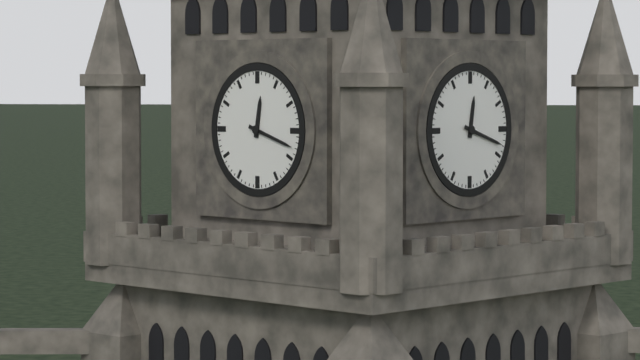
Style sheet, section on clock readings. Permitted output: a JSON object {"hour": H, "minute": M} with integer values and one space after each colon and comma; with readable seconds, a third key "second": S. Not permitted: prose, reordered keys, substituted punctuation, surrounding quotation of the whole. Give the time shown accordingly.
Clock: {"hour": 12, "minute": 18}
